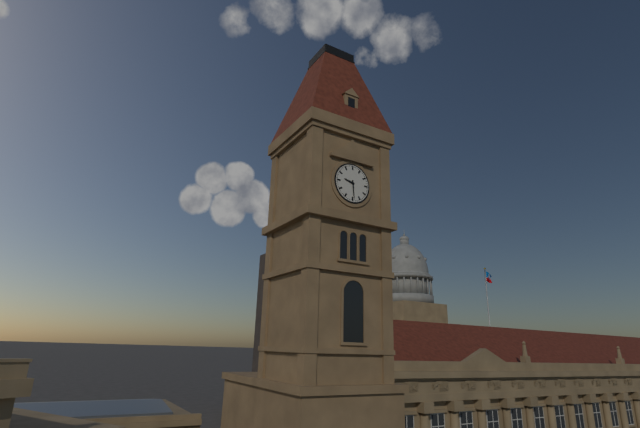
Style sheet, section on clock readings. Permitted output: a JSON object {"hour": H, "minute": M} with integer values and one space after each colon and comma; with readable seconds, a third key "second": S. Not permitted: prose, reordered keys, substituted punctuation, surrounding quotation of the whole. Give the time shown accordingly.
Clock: {"hour": 9, "minute": 29}
